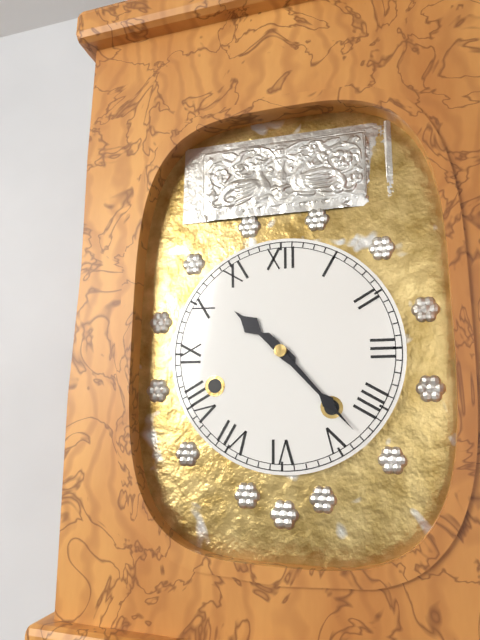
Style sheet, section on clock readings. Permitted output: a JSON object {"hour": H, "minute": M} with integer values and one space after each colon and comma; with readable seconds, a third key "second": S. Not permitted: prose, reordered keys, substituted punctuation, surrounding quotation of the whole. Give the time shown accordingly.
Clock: {"hour": 10, "minute": 23}
